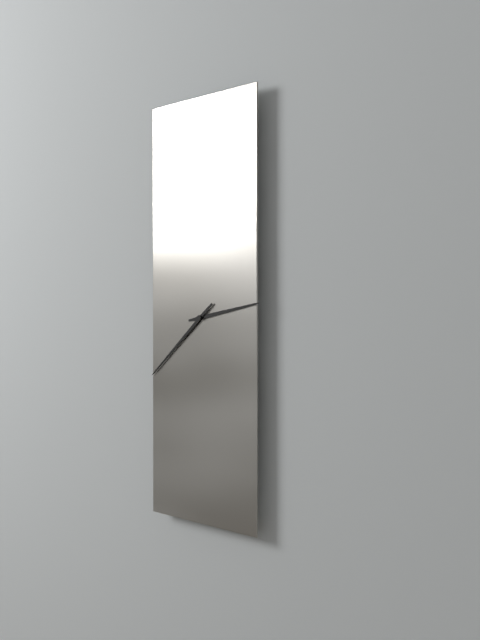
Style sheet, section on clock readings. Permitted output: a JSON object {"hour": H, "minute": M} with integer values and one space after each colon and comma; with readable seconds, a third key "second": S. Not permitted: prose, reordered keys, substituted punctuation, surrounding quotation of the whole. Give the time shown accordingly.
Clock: {"hour": 2, "minute": 38}
